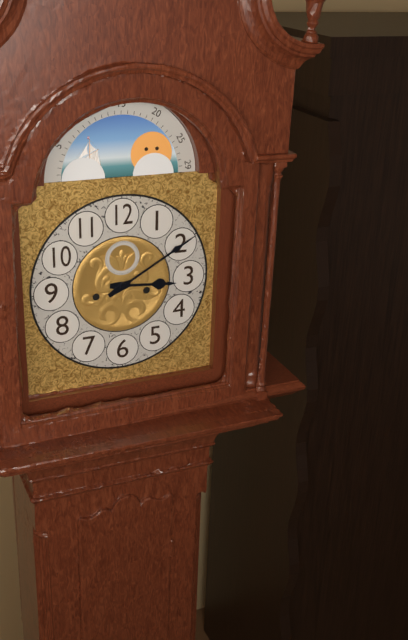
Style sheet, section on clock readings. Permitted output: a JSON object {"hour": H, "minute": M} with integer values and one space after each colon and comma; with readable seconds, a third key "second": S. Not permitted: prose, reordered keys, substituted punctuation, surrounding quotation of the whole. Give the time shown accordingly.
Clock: {"hour": 3, "minute": 10}
